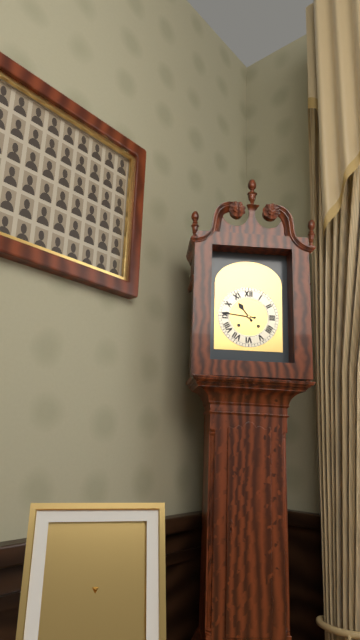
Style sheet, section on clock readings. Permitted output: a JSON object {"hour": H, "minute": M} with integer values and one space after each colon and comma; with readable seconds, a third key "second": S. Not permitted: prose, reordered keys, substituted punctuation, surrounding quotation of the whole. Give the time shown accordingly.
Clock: {"hour": 10, "minute": 46}
